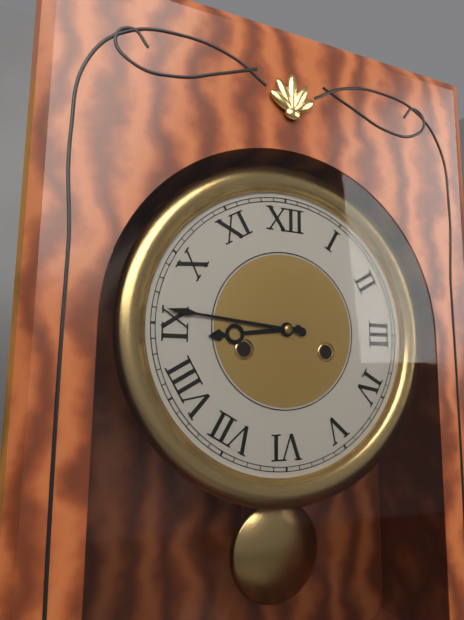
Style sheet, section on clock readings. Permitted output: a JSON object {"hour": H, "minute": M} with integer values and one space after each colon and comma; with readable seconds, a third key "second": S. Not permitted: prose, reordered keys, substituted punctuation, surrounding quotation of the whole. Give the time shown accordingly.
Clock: {"hour": 8, "minute": 46}
